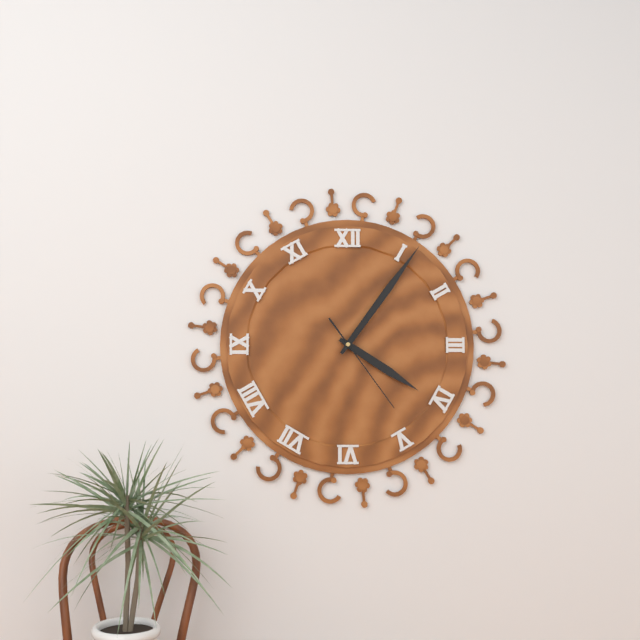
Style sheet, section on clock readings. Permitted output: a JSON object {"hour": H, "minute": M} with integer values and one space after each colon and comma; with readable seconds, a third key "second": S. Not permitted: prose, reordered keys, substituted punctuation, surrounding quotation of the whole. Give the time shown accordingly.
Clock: {"hour": 4, "minute": 6, "second": 24}
